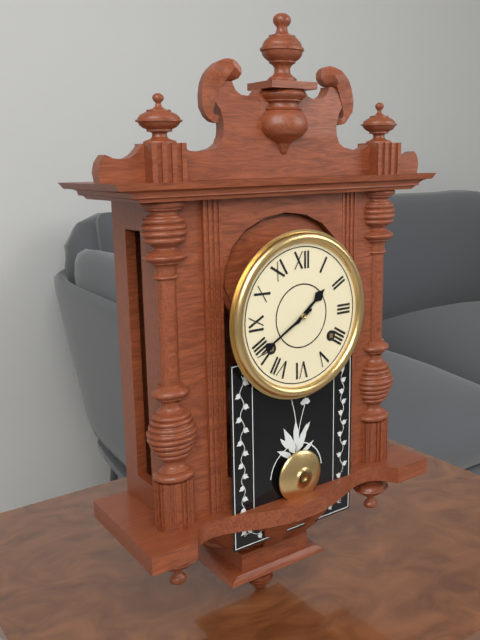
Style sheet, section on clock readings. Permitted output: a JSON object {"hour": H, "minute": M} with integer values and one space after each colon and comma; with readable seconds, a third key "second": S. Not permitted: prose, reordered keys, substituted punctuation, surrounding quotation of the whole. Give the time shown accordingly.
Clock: {"hour": 1, "minute": 40}
